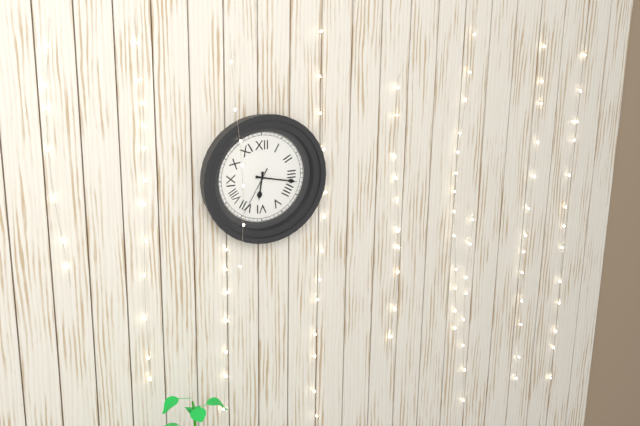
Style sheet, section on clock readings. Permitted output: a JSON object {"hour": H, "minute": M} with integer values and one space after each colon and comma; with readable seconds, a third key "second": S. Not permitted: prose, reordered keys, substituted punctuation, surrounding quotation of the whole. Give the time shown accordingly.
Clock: {"hour": 6, "minute": 17, "second": 35}
